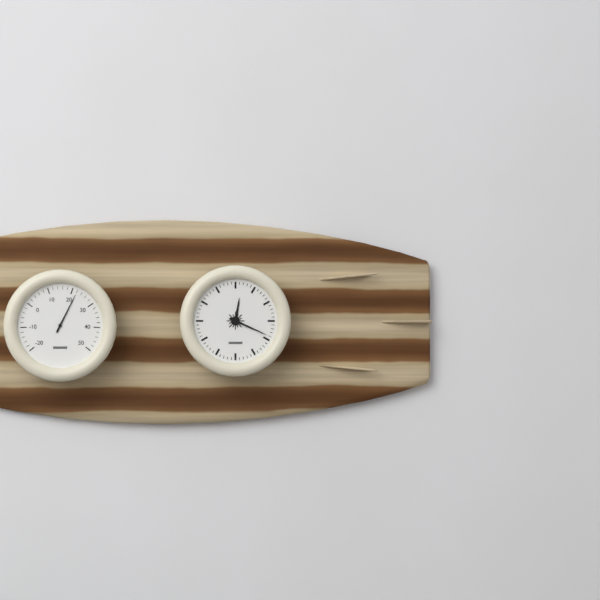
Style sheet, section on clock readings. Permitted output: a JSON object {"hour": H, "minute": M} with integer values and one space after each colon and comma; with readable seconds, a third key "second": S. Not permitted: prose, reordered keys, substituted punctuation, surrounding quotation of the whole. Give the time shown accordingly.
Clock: {"hour": 12, "minute": 19}
